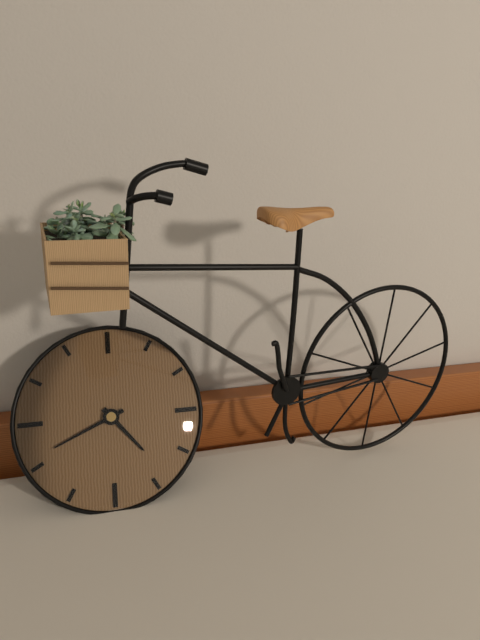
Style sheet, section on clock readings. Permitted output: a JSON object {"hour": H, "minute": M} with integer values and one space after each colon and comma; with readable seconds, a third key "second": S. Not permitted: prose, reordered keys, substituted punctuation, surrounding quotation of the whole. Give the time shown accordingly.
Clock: {"hour": 4, "minute": 41}
